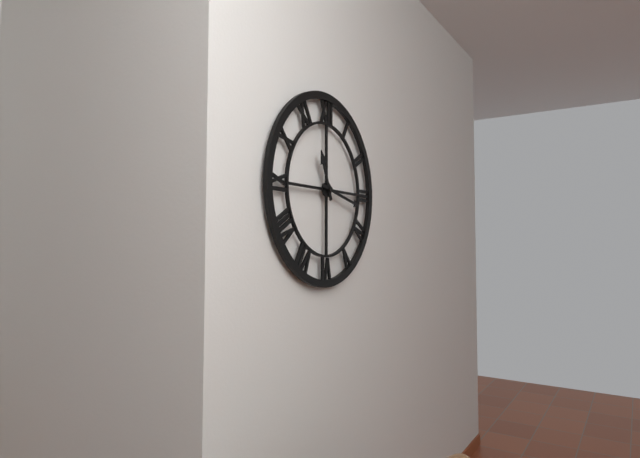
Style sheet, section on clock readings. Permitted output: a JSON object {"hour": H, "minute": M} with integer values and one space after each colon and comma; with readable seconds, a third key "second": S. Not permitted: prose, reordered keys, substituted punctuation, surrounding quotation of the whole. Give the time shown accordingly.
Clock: {"hour": 11, "minute": 17}
